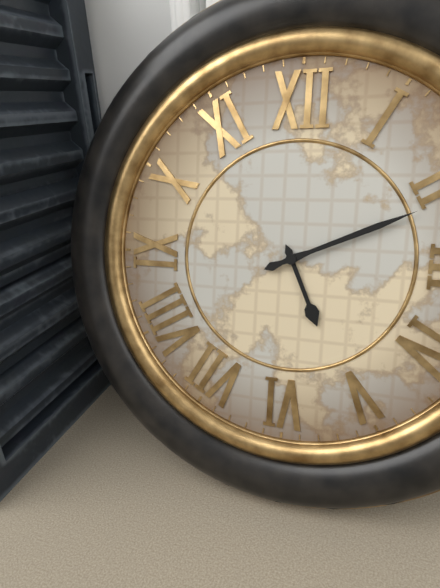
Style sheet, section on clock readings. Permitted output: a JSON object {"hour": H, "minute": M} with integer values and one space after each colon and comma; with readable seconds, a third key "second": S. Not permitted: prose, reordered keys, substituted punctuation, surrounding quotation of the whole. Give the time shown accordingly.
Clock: {"hour": 5, "minute": 11}
